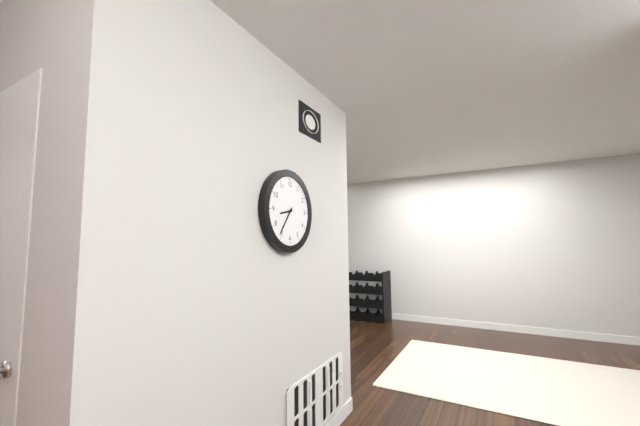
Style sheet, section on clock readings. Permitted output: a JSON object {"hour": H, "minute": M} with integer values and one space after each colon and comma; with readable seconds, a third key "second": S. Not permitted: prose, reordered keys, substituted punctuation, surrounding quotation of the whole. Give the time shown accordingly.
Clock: {"hour": 8, "minute": 36}
